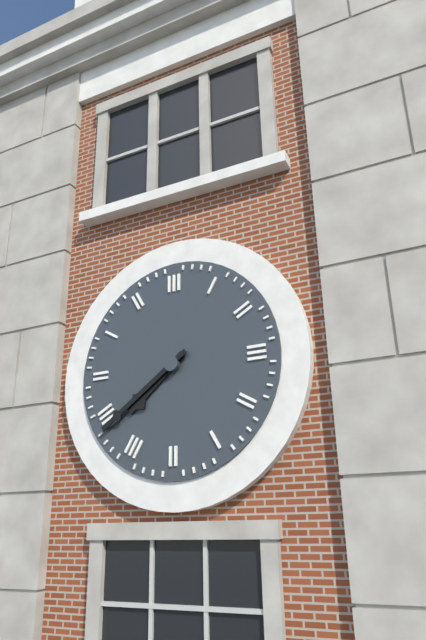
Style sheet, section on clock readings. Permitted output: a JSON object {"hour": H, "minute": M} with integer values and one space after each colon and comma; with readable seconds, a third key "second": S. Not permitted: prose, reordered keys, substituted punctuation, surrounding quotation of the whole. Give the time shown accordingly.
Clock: {"hour": 7, "minute": 39}
